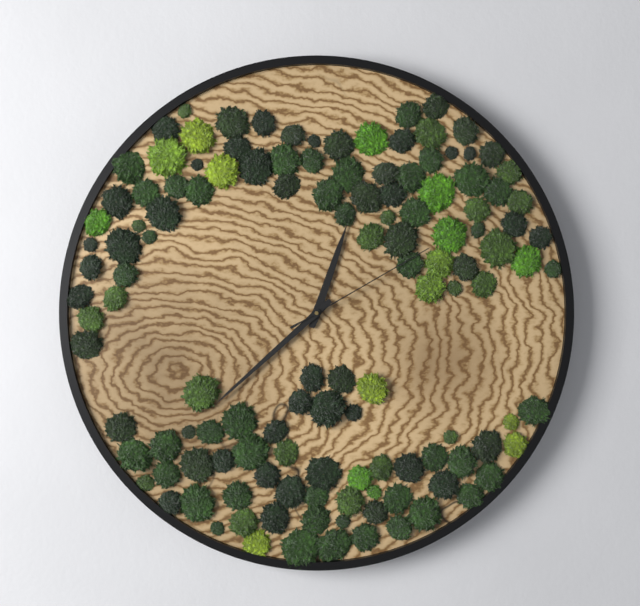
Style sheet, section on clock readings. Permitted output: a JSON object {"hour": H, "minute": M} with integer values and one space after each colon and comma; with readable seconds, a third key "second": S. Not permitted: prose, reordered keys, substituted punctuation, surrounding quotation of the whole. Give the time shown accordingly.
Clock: {"hour": 12, "minute": 38, "second": 10}
